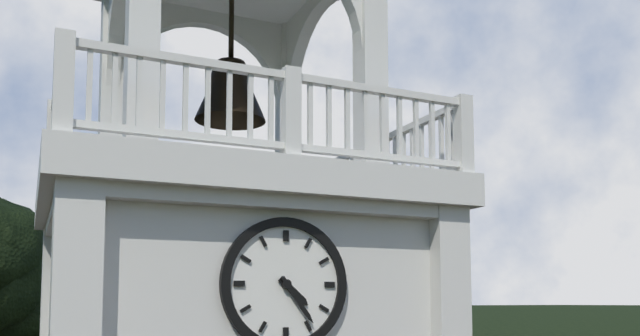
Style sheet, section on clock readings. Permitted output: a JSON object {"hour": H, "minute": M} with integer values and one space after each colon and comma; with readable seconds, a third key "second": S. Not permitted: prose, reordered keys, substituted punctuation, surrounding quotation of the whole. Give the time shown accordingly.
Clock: {"hour": 4, "minute": 24}
